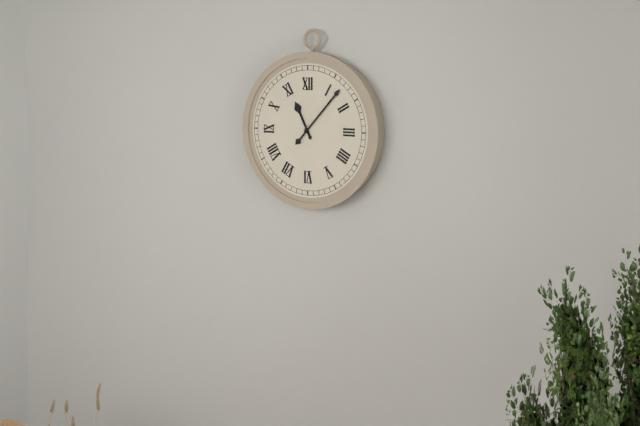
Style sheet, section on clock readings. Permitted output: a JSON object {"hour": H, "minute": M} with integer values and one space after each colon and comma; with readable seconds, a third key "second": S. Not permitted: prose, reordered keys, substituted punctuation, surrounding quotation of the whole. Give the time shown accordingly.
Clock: {"hour": 11, "minute": 7}
